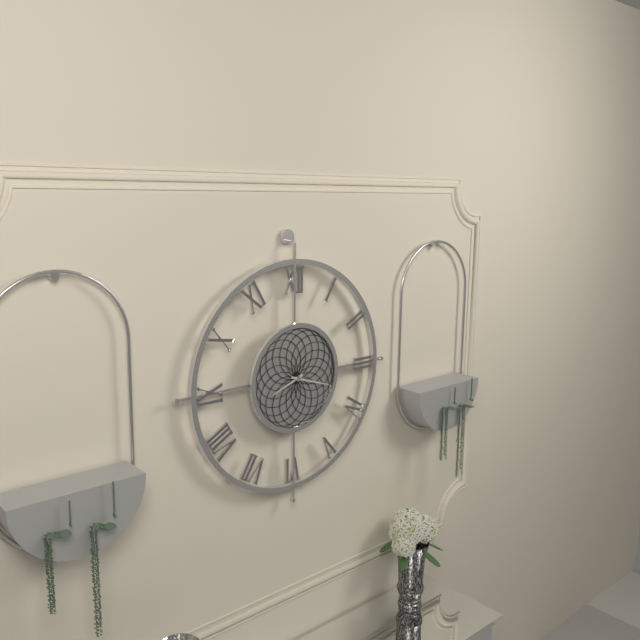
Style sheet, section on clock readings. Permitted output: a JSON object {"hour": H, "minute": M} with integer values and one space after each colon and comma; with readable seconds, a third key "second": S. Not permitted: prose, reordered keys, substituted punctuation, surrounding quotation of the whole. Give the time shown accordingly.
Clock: {"hour": 8, "minute": 18}
